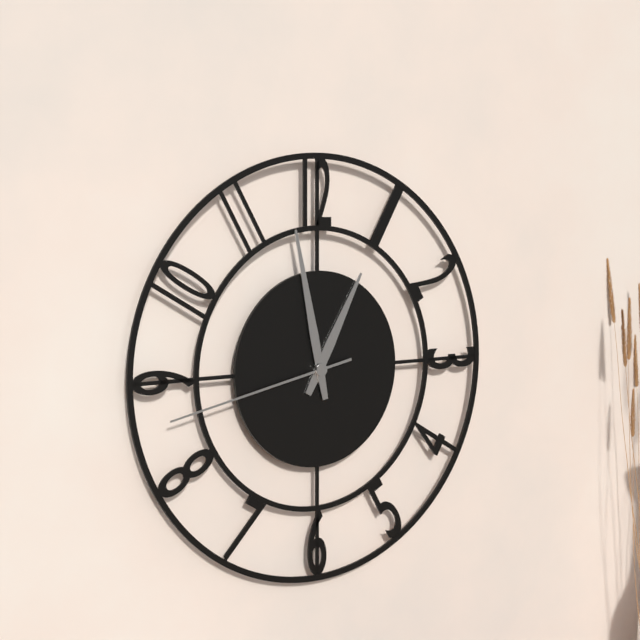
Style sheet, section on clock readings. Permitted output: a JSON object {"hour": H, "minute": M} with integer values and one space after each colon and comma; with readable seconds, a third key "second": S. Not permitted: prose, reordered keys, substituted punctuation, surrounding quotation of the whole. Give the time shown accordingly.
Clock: {"hour": 12, "minute": 58, "second": 43}
